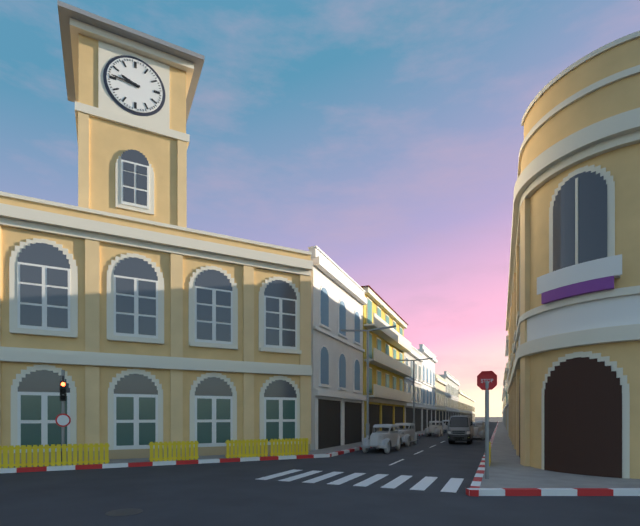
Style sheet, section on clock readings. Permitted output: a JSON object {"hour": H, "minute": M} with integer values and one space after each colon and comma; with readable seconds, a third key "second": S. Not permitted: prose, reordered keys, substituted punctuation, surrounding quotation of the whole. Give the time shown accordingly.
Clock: {"hour": 9, "minute": 46}
